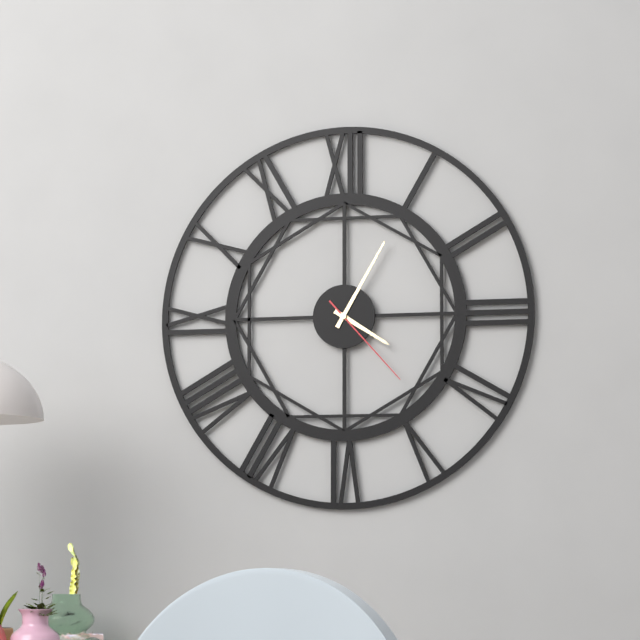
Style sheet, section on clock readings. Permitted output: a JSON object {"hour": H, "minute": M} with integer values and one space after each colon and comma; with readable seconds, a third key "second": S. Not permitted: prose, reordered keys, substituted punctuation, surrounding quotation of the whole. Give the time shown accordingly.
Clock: {"hour": 4, "minute": 5, "second": 23}
